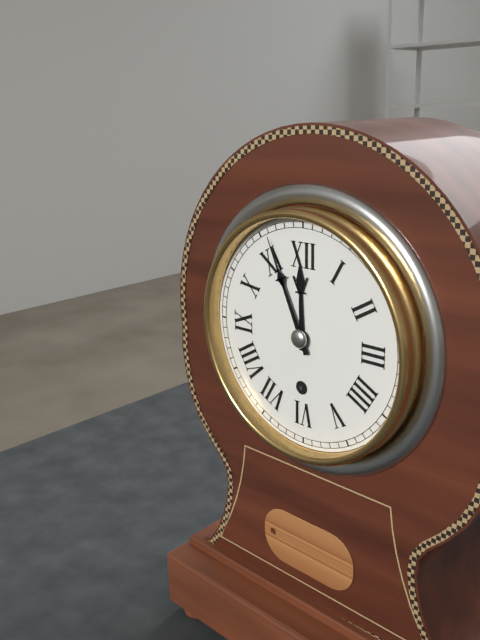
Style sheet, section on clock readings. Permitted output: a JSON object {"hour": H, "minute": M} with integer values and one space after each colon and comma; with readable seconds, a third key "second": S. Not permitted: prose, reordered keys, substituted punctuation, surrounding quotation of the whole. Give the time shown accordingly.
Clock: {"hour": 11, "minute": 56}
